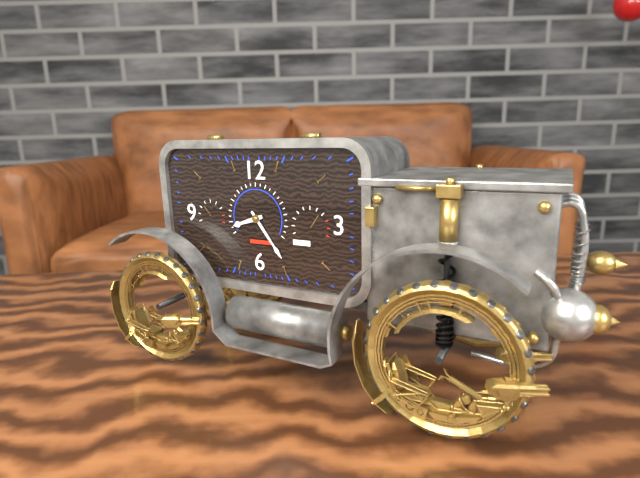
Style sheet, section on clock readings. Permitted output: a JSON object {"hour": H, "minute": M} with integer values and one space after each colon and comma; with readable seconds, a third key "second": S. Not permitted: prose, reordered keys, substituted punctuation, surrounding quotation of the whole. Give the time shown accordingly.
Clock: {"hour": 8, "minute": 24}
